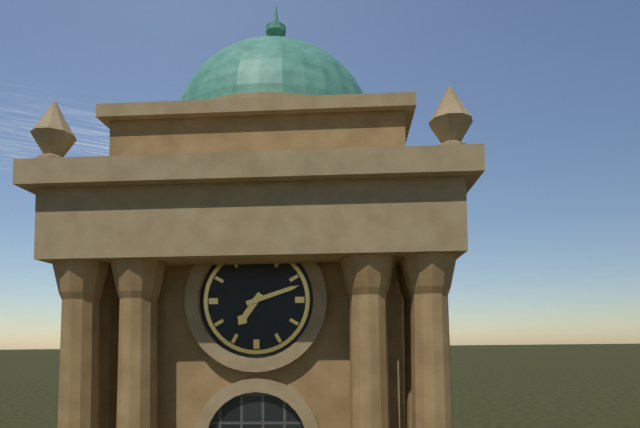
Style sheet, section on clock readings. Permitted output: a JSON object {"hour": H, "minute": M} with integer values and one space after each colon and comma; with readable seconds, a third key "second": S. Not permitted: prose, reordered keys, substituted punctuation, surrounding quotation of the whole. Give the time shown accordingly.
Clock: {"hour": 7, "minute": 12}
